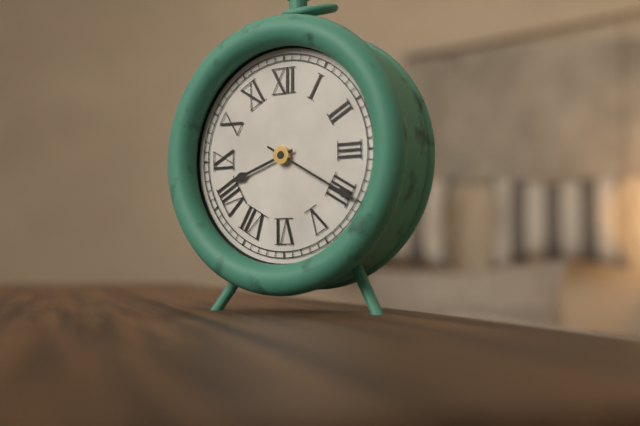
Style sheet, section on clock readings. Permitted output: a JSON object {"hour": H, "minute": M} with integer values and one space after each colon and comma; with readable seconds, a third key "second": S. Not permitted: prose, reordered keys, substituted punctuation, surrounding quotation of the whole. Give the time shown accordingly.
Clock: {"hour": 8, "minute": 20}
